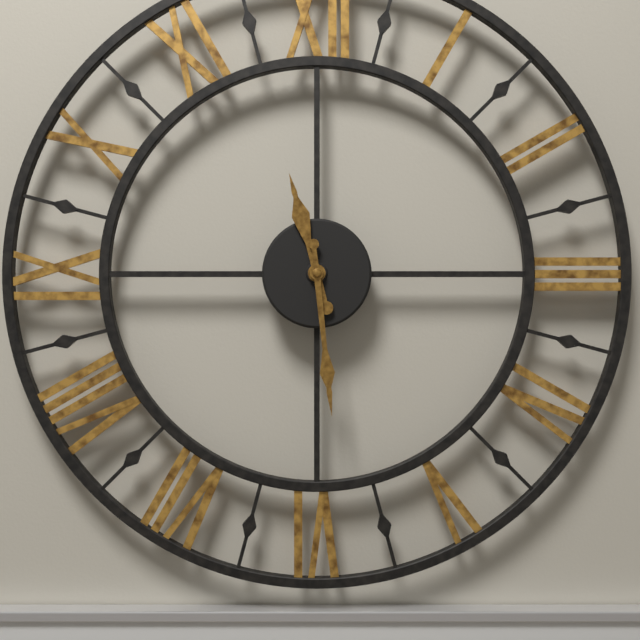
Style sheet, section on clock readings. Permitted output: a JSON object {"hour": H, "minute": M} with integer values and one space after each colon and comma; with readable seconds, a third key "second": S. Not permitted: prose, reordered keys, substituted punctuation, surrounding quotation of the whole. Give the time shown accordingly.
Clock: {"hour": 11, "minute": 29}
